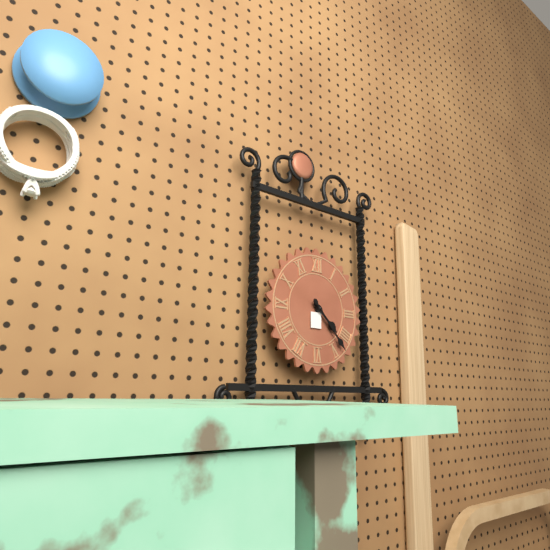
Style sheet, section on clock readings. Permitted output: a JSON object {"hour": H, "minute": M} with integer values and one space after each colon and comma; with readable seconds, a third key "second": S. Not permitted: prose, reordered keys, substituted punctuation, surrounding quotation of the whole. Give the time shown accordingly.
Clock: {"hour": 4, "minute": 23}
